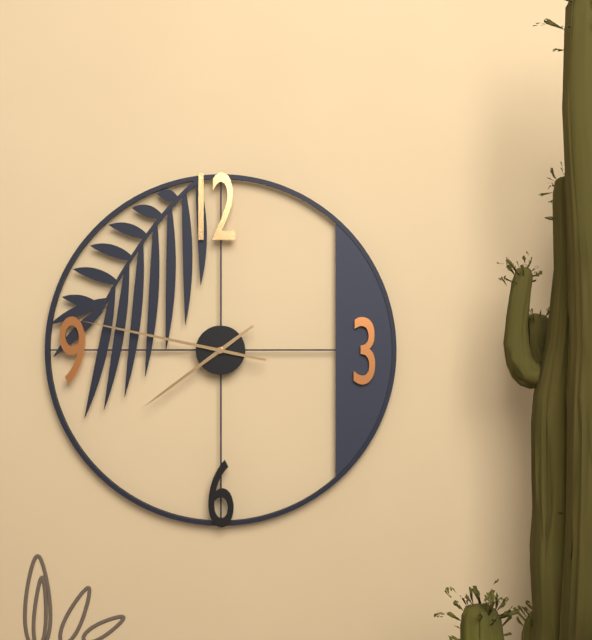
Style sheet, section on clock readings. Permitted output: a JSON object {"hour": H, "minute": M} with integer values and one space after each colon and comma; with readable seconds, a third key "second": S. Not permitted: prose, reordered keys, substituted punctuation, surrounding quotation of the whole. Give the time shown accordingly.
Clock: {"hour": 7, "minute": 47}
